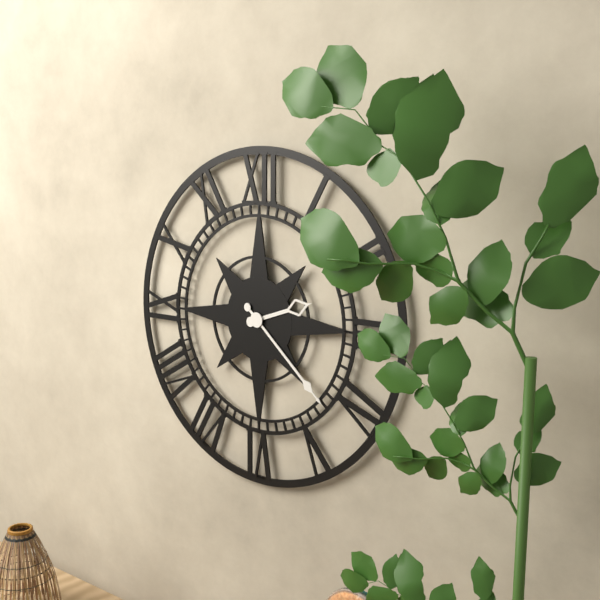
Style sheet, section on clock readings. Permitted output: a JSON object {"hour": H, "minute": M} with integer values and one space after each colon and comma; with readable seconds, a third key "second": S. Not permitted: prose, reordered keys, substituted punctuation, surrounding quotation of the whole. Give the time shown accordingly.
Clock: {"hour": 2, "minute": 22}
